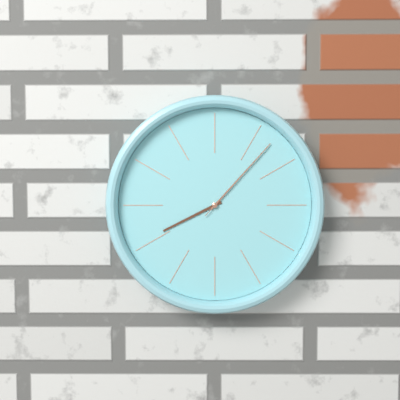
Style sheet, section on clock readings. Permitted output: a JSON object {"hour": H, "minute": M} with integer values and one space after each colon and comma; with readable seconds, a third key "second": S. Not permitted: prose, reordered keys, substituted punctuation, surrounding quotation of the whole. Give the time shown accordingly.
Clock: {"hour": 8, "minute": 7, "second": 7}
